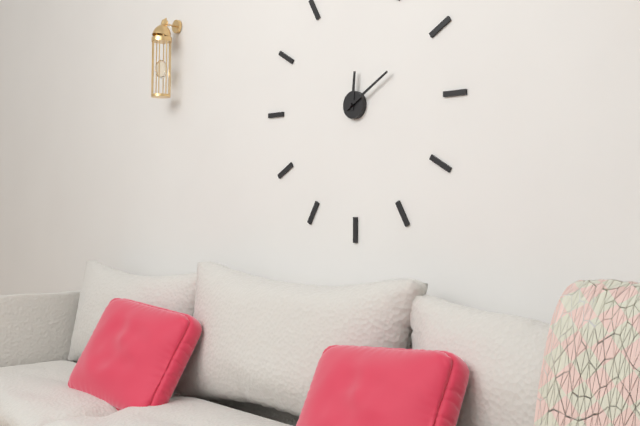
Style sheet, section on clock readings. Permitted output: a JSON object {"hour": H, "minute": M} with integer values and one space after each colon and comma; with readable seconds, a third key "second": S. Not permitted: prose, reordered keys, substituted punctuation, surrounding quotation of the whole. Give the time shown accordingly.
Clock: {"hour": 12, "minute": 10}
